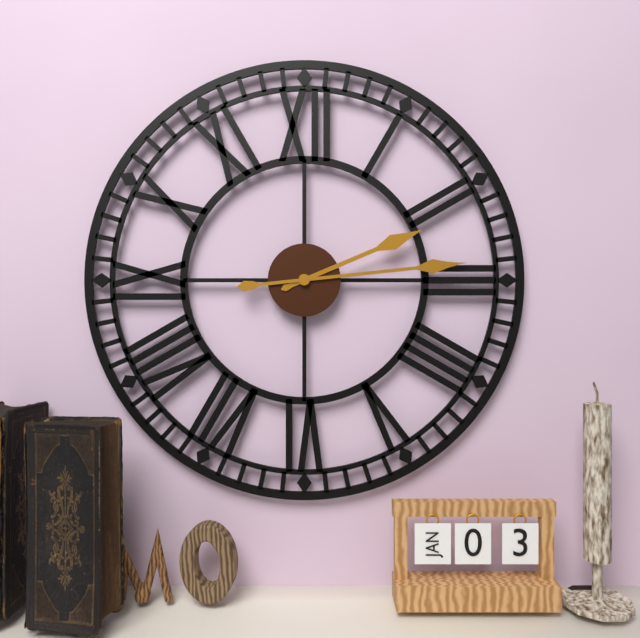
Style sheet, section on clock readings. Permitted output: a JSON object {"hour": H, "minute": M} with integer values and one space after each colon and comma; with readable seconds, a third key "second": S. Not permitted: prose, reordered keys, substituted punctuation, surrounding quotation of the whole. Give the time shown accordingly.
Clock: {"hour": 2, "minute": 14}
